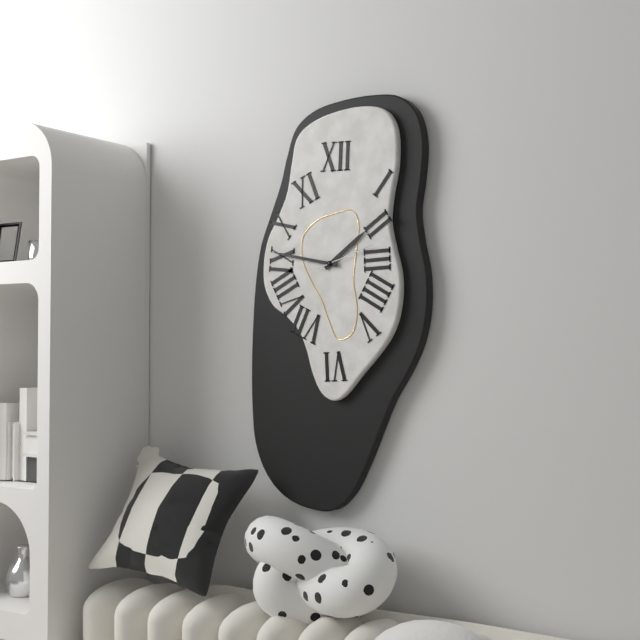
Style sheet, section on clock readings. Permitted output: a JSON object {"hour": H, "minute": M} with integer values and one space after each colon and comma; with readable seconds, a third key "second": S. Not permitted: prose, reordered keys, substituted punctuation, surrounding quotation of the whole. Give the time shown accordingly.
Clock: {"hour": 1, "minute": 47, "second": 12}
